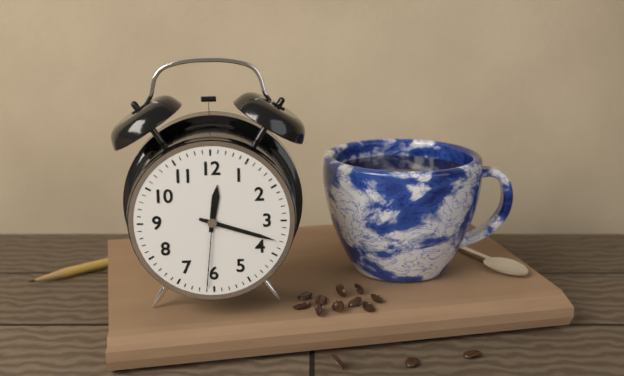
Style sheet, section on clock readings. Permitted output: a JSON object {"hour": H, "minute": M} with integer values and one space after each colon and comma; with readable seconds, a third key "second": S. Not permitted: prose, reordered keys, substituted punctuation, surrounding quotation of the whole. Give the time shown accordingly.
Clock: {"hour": 12, "minute": 18, "second": 31}
